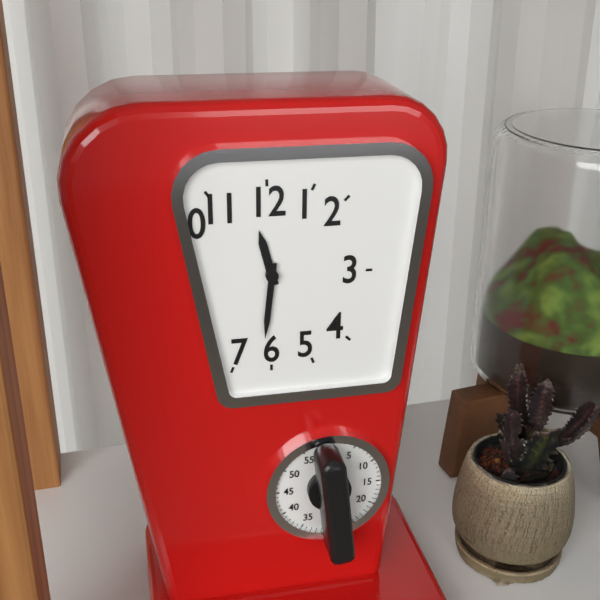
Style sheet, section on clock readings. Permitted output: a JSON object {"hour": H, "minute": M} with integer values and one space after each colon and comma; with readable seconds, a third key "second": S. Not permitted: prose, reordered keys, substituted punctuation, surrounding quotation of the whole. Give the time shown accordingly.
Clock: {"hour": 11, "minute": 31}
